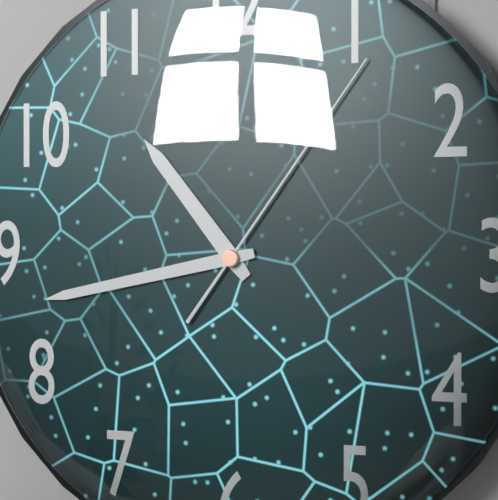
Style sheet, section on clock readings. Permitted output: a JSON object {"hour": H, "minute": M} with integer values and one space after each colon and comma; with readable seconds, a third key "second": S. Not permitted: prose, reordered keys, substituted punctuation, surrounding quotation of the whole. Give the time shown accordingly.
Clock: {"hour": 10, "minute": 43, "second": 6}
